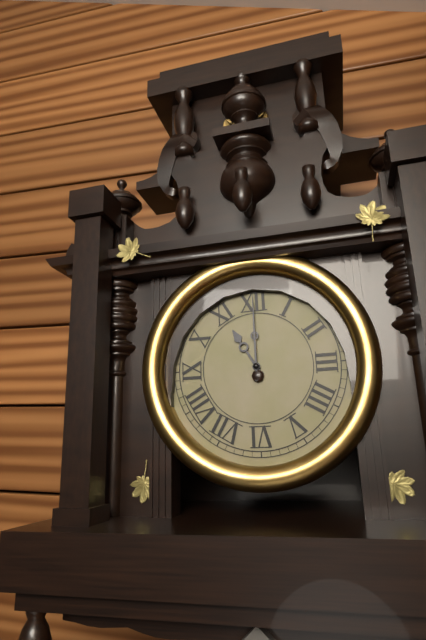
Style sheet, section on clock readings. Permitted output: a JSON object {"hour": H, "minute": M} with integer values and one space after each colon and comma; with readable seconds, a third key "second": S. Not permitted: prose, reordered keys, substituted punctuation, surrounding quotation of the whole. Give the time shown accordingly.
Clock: {"hour": 11, "minute": 0}
